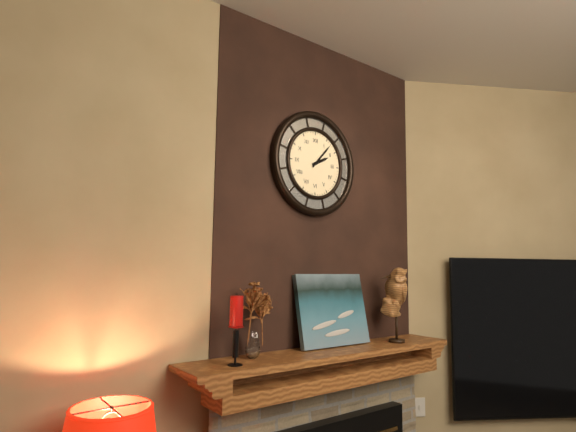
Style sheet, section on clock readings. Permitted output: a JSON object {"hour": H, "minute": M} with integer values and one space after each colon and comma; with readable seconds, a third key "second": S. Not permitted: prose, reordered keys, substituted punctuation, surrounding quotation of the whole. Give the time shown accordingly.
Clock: {"hour": 2, "minute": 7}
